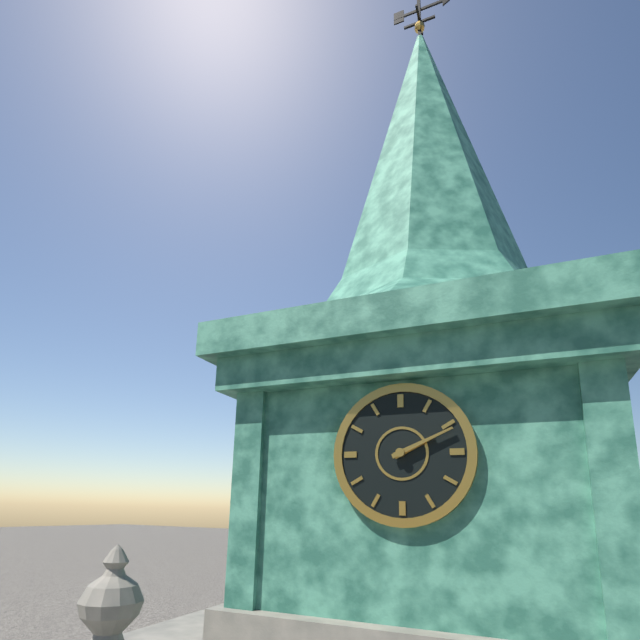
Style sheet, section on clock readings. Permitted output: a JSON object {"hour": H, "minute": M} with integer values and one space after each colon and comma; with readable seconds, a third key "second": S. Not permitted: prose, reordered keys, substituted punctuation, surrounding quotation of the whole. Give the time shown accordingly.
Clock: {"hour": 2, "minute": 11}
